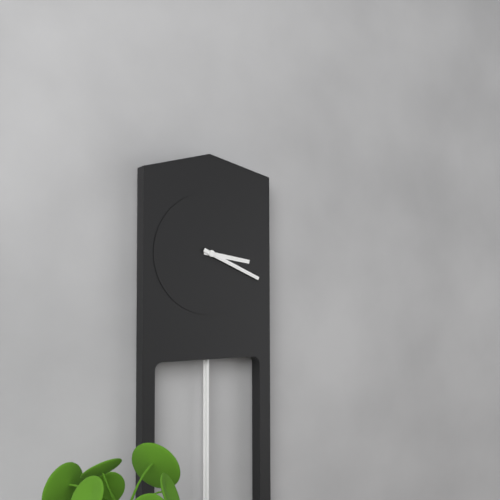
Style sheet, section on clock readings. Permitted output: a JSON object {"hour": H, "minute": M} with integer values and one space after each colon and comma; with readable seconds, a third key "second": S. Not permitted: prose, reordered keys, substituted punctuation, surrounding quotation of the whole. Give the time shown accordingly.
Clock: {"hour": 3, "minute": 19}
